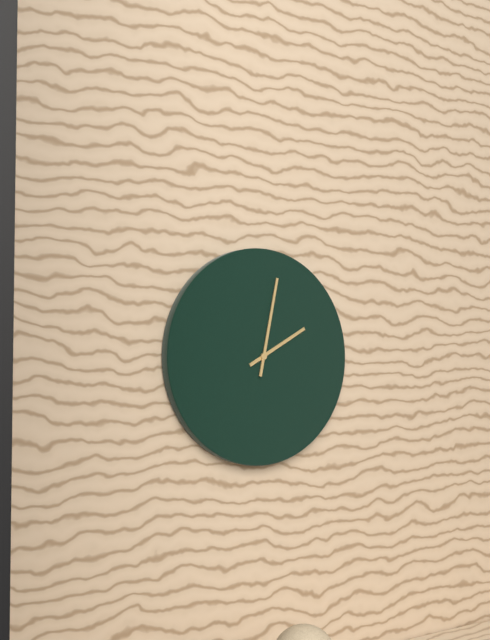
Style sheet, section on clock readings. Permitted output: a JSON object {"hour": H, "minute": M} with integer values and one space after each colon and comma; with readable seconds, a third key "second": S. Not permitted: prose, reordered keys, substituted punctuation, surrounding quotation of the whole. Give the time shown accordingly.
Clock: {"hour": 2, "minute": 2}
